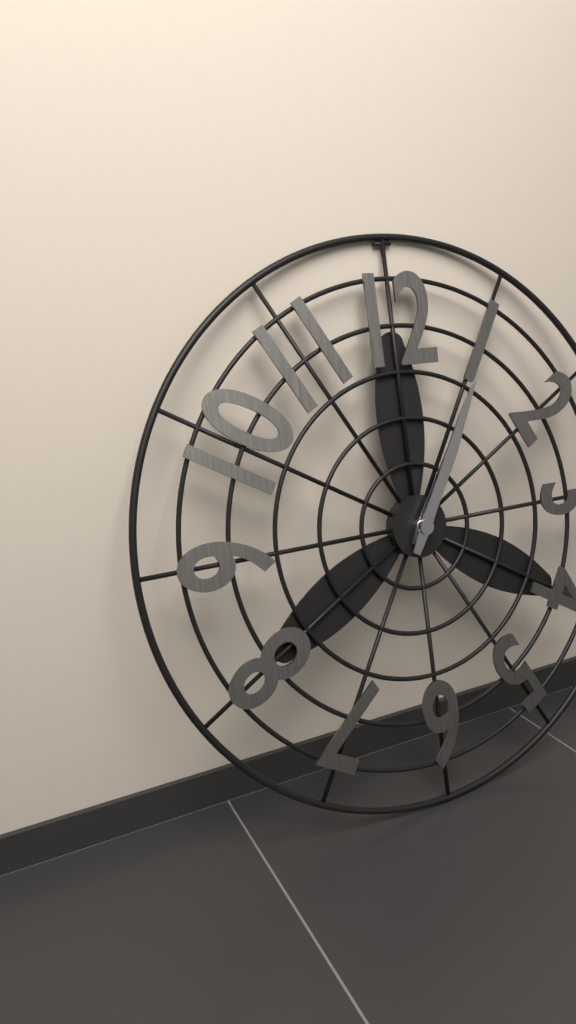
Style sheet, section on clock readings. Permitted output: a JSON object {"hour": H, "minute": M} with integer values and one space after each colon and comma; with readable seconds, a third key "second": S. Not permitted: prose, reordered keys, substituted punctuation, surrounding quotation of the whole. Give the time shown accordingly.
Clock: {"hour": 1, "minute": 5}
